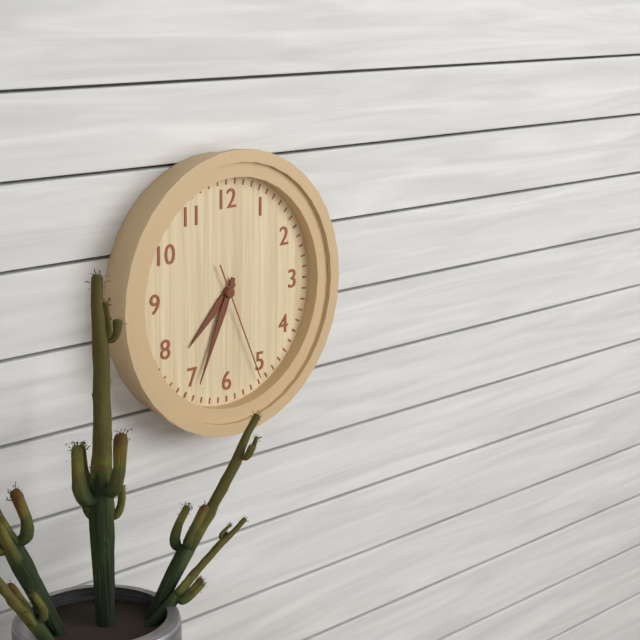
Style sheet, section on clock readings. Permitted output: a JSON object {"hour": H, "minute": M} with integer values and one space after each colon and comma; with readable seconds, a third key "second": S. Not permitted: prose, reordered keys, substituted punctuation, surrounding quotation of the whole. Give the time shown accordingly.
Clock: {"hour": 7, "minute": 34, "second": 26}
